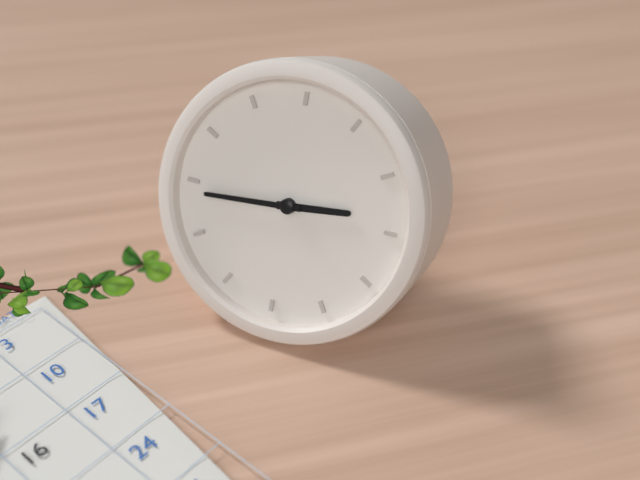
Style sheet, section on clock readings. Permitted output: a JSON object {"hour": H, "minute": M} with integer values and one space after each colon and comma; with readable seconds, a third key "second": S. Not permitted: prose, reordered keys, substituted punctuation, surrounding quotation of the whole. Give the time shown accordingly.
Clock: {"hour": 2, "minute": 44}
